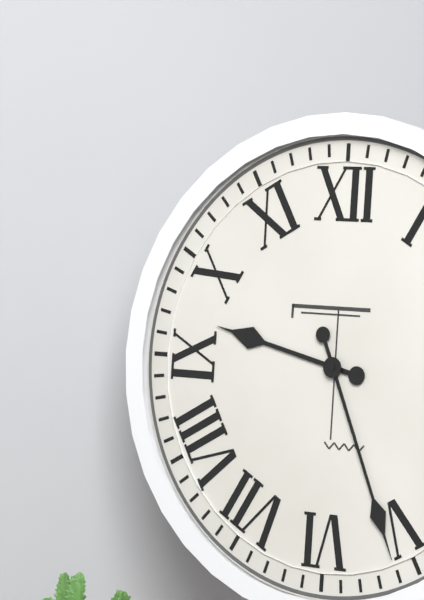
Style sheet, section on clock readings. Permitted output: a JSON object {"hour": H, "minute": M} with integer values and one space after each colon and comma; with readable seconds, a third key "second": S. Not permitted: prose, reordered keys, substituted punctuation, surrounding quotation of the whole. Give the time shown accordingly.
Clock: {"hour": 9, "minute": 26}
